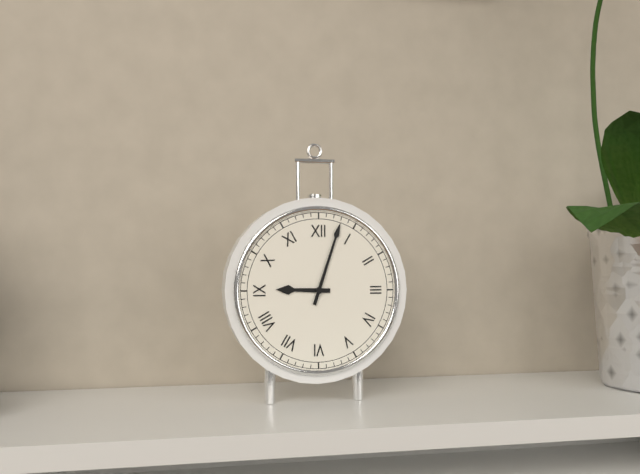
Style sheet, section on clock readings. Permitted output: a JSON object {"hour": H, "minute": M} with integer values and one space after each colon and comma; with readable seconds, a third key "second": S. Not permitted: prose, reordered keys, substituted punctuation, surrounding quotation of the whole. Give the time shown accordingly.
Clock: {"hour": 9, "minute": 3}
